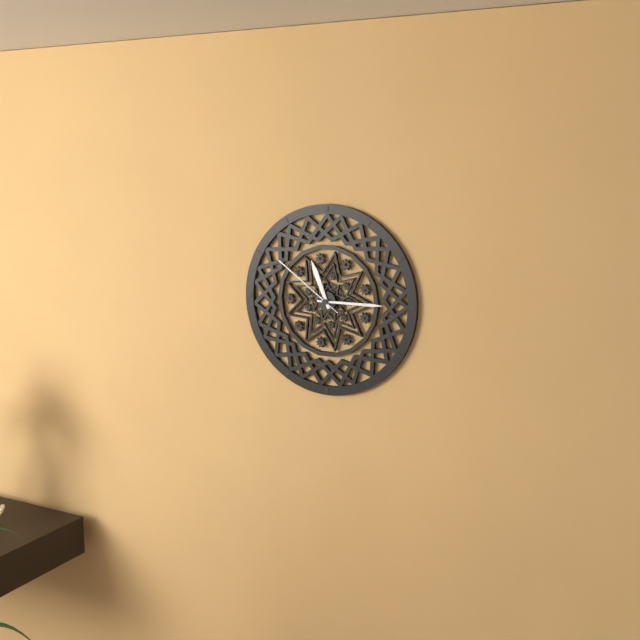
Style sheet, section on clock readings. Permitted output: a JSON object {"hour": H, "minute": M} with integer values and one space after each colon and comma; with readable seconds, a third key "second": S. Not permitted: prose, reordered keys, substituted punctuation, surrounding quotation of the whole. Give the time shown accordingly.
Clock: {"hour": 11, "minute": 15, "second": 51}
